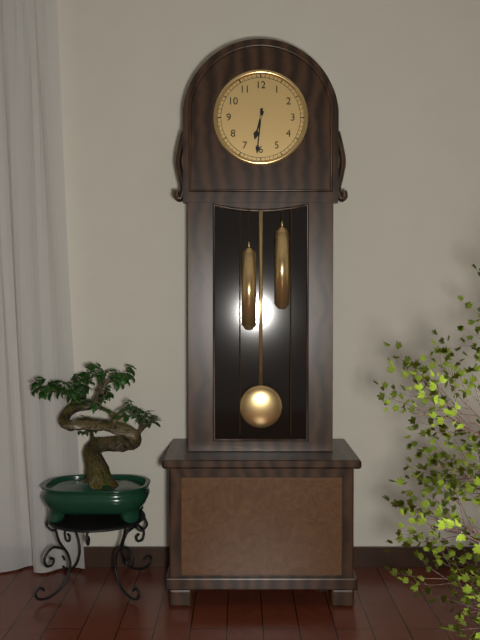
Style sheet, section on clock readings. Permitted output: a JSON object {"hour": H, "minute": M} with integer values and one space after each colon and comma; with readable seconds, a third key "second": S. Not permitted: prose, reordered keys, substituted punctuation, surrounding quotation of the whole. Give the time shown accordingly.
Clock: {"hour": 6, "minute": 31}
